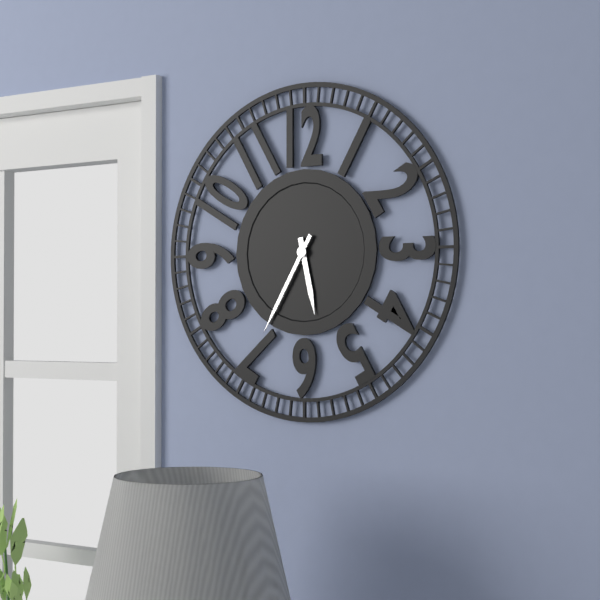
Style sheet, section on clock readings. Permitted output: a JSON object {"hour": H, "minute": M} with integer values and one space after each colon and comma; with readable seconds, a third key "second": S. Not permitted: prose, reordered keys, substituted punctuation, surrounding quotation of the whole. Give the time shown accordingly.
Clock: {"hour": 5, "minute": 35}
